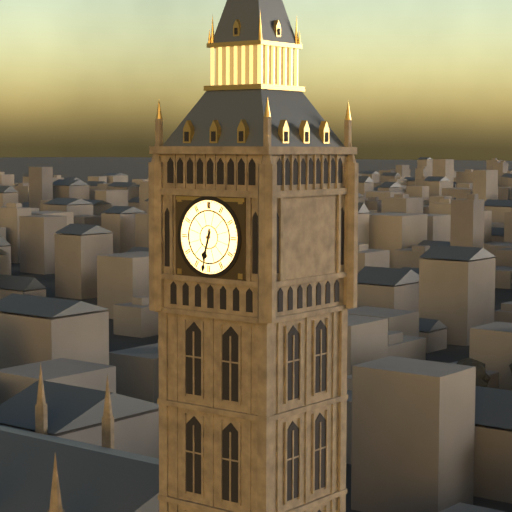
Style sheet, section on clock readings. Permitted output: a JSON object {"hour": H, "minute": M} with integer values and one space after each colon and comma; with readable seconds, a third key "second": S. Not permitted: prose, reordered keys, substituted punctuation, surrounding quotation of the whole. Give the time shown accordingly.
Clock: {"hour": 6, "minute": 32}
